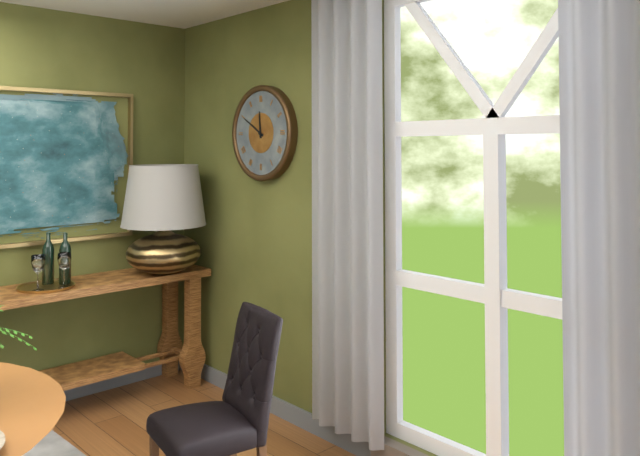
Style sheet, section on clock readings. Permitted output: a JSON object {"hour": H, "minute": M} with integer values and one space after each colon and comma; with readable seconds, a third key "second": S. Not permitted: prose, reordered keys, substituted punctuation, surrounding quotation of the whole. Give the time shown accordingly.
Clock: {"hour": 11, "minute": 50}
